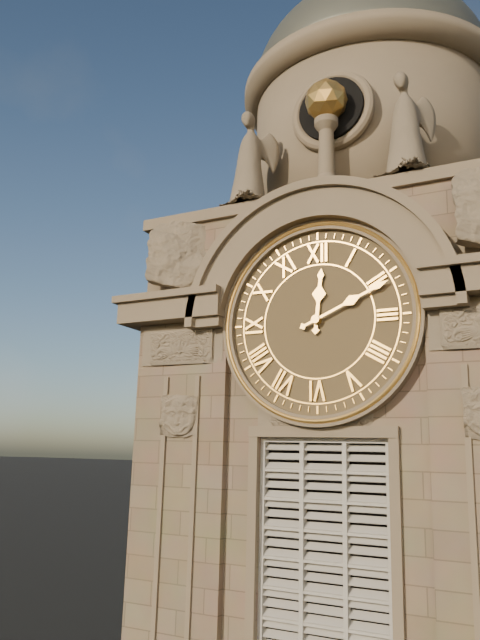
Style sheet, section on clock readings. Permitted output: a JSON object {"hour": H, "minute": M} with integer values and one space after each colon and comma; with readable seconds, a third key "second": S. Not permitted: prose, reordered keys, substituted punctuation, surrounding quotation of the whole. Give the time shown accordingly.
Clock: {"hour": 12, "minute": 11}
